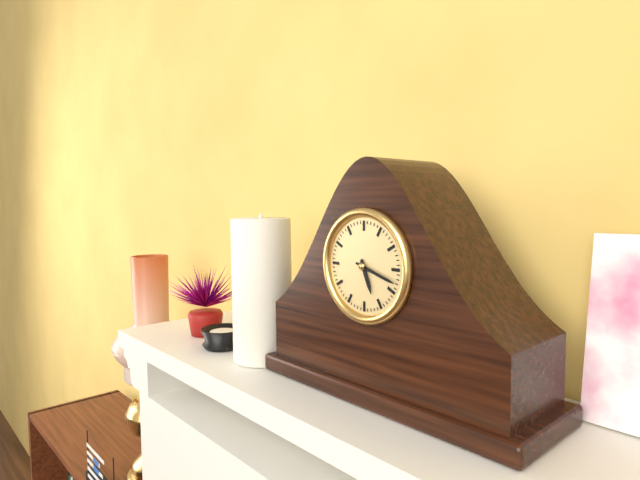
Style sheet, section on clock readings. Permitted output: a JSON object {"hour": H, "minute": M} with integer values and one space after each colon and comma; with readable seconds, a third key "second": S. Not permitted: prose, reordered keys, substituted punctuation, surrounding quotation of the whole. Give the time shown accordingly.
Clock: {"hour": 5, "minute": 18}
